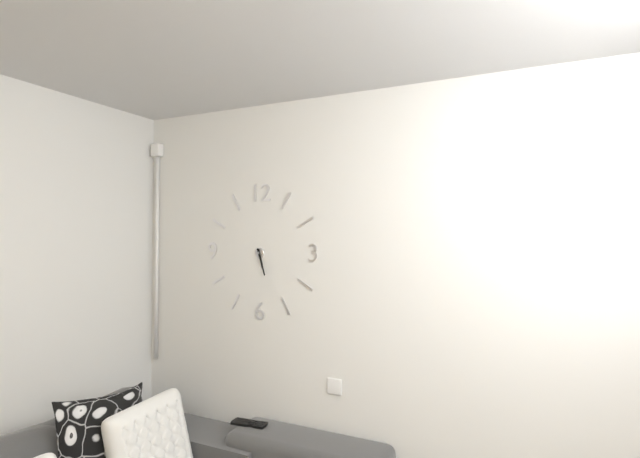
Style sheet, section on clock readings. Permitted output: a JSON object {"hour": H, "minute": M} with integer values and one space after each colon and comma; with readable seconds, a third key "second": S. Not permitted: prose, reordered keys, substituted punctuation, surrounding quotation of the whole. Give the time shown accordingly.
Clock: {"hour": 5, "minute": 27}
